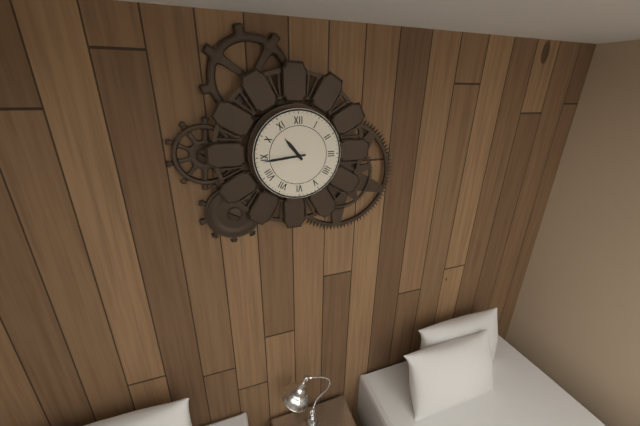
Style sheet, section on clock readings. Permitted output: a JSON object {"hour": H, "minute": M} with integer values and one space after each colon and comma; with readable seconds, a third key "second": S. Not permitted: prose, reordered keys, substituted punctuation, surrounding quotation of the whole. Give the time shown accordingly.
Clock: {"hour": 10, "minute": 44}
